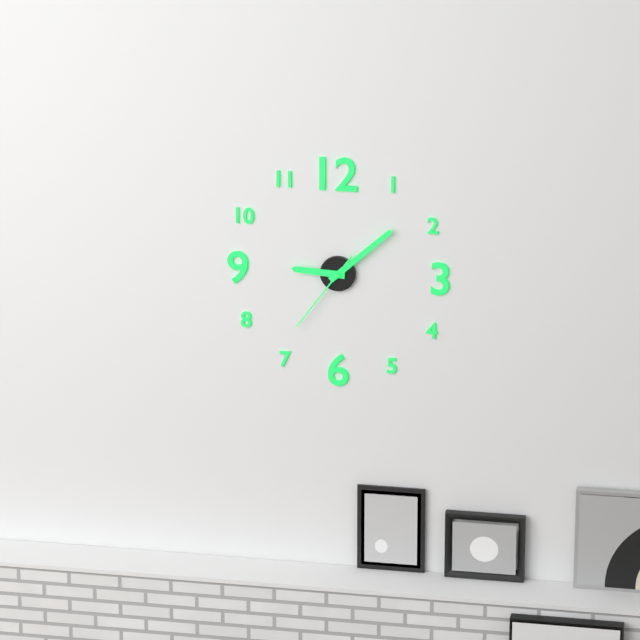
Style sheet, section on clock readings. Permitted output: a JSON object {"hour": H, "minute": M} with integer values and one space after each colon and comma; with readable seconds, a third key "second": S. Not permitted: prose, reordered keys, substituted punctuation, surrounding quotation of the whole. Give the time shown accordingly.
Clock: {"hour": 9, "minute": 8, "second": 36}
